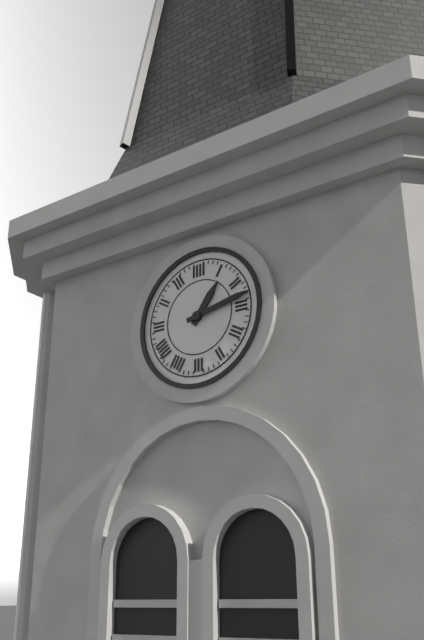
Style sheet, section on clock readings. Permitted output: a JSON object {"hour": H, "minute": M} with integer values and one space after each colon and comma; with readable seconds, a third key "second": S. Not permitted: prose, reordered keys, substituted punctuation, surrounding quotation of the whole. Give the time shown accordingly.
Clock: {"hour": 1, "minute": 13}
